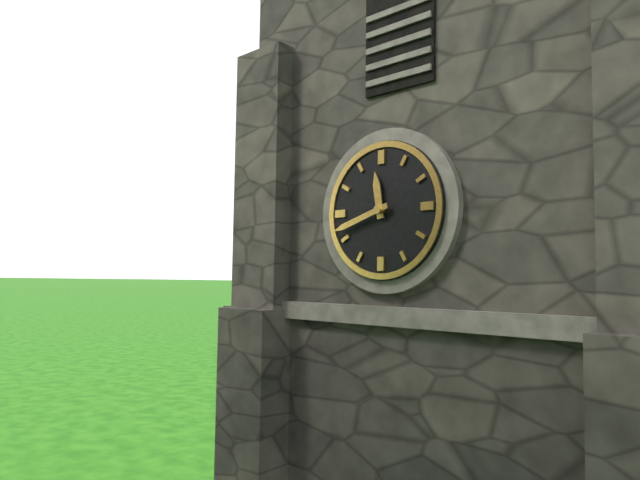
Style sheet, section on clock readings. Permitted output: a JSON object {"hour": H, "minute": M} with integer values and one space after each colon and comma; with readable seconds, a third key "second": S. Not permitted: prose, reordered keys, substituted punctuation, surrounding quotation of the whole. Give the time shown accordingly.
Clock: {"hour": 11, "minute": 42}
